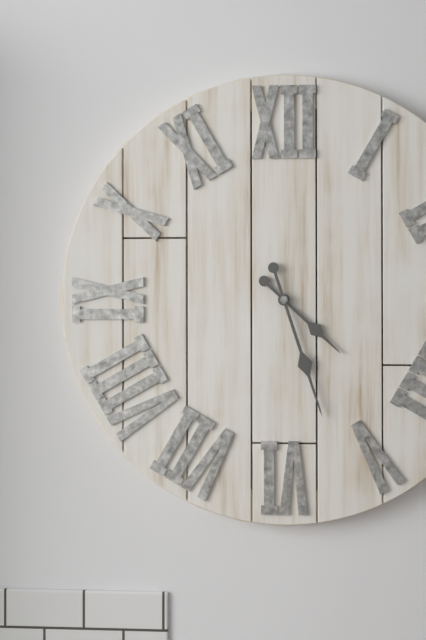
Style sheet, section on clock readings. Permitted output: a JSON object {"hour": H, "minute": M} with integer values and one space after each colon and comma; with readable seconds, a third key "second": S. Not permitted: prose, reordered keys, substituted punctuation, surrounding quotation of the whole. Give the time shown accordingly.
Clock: {"hour": 4, "minute": 27}
